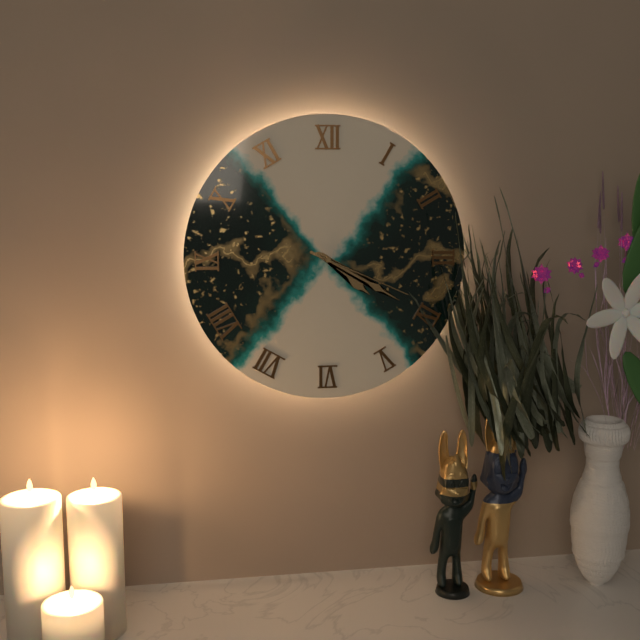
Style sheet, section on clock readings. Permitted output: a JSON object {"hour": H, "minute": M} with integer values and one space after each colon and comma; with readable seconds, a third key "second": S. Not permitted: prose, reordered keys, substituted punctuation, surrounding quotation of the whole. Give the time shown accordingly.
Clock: {"hour": 4, "minute": 20, "second": 19}
